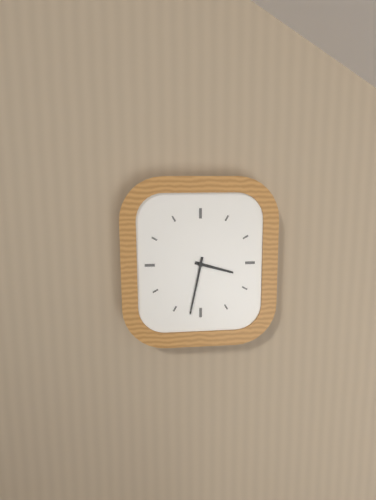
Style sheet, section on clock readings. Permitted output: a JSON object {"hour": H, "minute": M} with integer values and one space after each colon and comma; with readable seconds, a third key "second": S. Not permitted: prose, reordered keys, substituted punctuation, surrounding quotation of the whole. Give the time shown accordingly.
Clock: {"hour": 3, "minute": 32}
